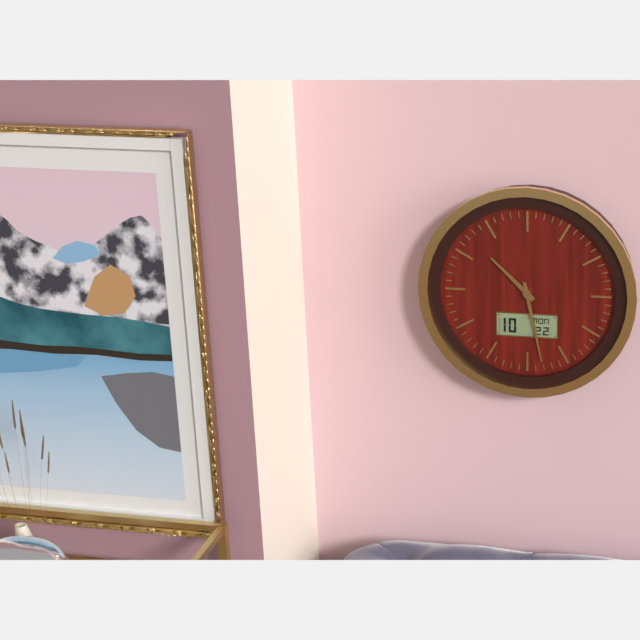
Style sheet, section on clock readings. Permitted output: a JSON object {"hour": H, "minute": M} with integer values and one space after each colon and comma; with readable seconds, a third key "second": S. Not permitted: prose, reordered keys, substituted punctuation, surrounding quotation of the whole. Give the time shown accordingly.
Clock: {"hour": 10, "minute": 28}
